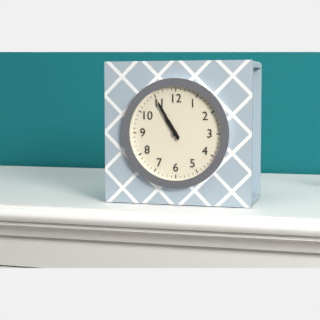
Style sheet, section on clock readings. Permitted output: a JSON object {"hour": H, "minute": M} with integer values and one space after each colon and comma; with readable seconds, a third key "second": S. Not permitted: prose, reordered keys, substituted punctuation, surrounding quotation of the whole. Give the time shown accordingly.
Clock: {"hour": 10, "minute": 55}
